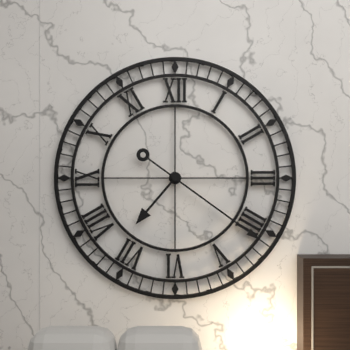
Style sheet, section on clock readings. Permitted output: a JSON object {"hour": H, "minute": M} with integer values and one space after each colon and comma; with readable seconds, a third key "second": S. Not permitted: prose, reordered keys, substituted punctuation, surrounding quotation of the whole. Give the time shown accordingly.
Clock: {"hour": 7, "minute": 21}
